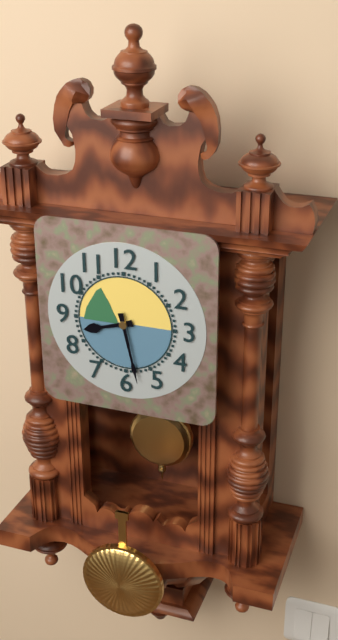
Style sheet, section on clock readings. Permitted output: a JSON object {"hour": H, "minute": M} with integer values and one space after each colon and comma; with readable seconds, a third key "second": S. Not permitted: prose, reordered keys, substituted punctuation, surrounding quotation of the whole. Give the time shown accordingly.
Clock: {"hour": 8, "minute": 28}
